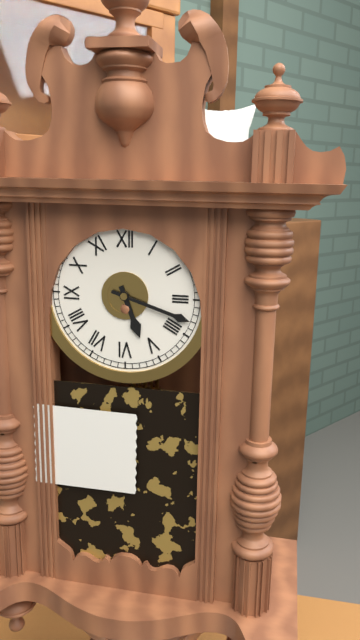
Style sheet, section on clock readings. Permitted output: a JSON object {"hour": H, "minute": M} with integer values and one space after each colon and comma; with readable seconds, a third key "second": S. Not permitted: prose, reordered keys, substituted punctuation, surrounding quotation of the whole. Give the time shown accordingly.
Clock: {"hour": 5, "minute": 18}
